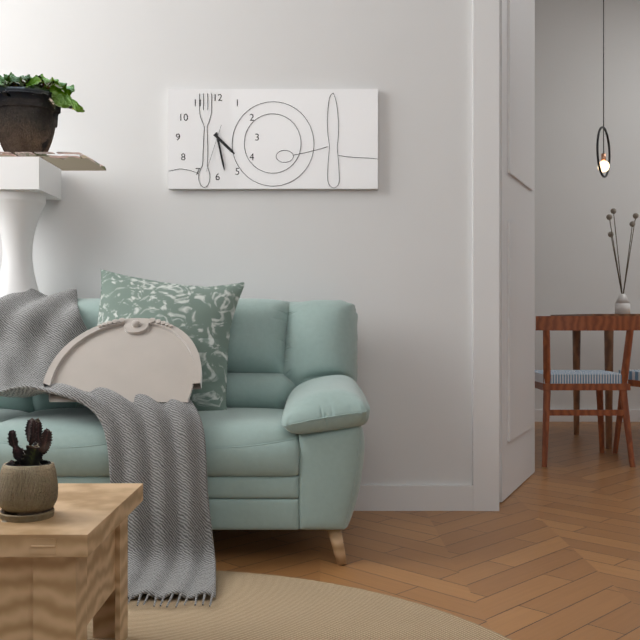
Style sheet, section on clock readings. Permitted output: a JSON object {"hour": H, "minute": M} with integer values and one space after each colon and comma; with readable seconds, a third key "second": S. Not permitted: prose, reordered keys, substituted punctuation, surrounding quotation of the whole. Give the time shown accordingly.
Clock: {"hour": 4, "minute": 28}
